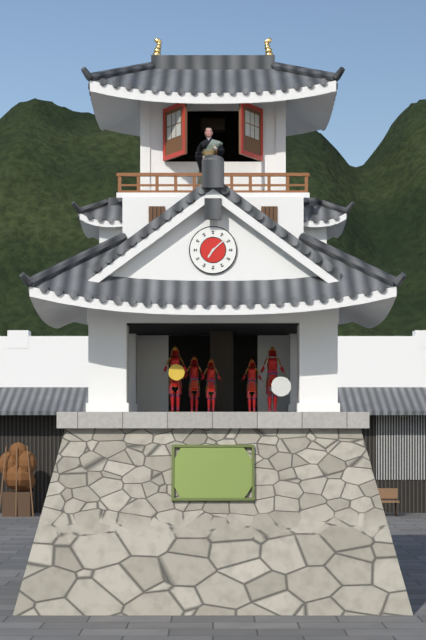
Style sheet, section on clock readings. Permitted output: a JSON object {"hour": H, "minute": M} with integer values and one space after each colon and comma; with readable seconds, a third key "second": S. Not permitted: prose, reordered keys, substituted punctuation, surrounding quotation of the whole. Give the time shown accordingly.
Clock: {"hour": 7, "minute": 8}
